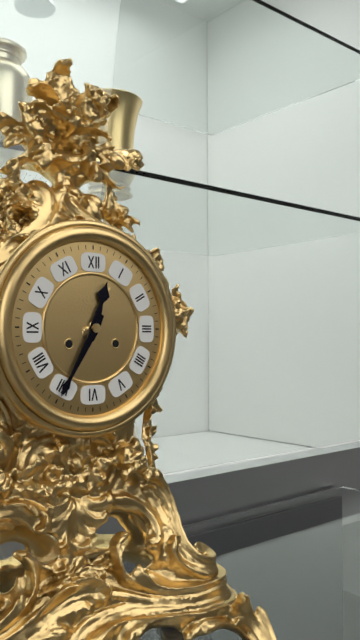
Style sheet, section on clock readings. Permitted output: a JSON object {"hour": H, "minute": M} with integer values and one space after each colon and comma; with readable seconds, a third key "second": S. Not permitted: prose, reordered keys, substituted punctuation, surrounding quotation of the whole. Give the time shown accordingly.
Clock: {"hour": 12, "minute": 35}
